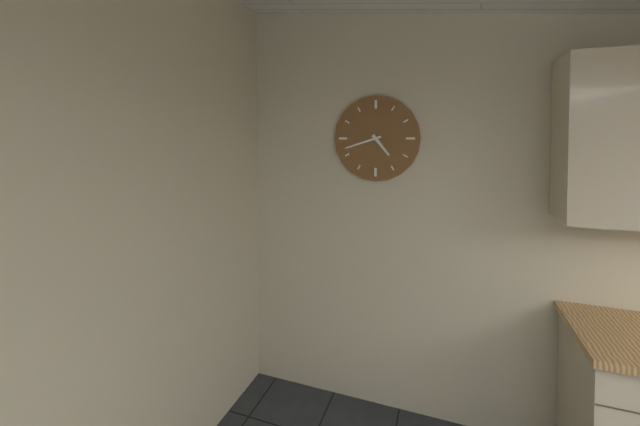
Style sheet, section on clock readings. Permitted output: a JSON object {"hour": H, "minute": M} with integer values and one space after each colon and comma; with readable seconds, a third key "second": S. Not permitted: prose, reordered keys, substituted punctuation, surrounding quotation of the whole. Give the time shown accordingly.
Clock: {"hour": 4, "minute": 42}
